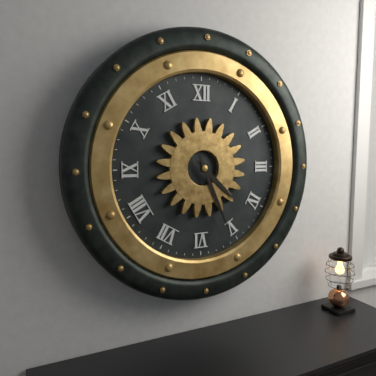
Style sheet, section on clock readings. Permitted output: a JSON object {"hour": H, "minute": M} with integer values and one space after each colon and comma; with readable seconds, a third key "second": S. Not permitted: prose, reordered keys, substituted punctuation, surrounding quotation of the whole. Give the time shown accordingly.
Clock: {"hour": 4, "minute": 26}
